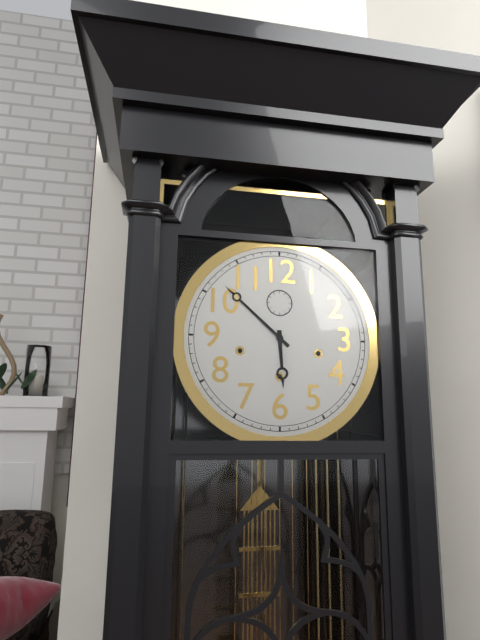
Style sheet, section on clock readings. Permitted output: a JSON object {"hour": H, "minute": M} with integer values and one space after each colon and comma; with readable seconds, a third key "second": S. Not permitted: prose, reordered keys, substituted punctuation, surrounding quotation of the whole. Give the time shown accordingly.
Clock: {"hour": 5, "minute": 52}
